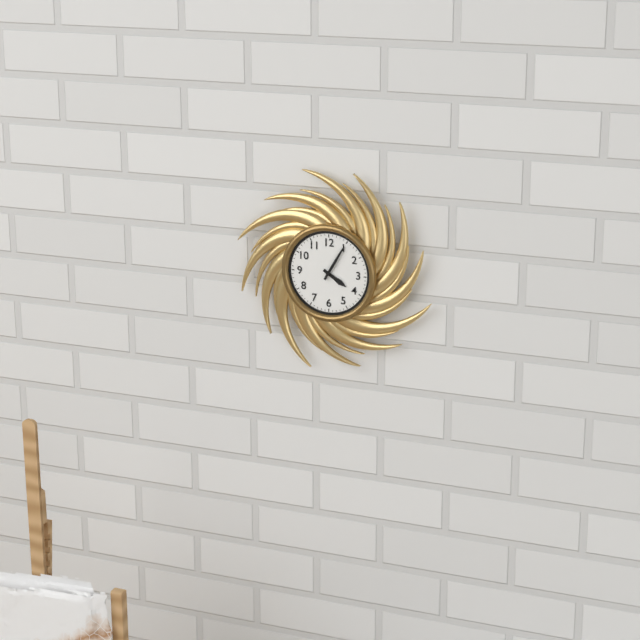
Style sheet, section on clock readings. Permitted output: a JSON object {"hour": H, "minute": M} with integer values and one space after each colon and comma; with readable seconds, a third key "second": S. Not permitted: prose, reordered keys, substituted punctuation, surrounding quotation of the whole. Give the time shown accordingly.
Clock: {"hour": 4, "minute": 5}
